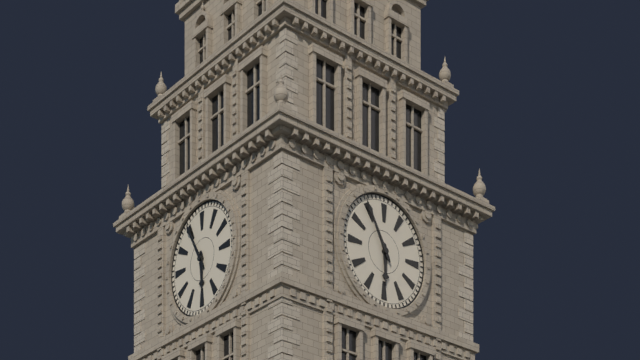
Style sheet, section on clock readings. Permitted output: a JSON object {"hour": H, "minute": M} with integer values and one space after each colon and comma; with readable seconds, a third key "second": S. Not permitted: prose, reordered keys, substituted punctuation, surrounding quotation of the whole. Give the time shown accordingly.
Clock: {"hour": 5, "minute": 55}
